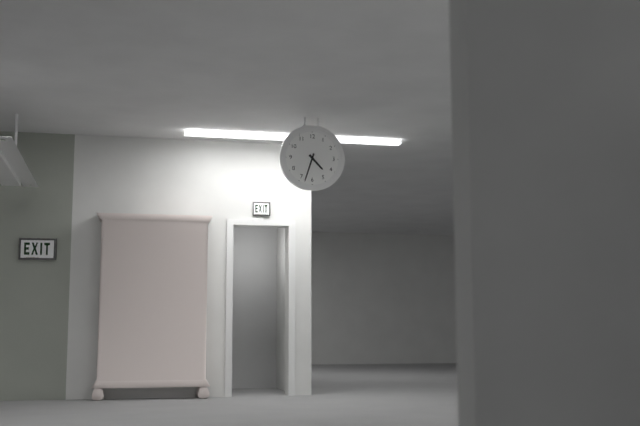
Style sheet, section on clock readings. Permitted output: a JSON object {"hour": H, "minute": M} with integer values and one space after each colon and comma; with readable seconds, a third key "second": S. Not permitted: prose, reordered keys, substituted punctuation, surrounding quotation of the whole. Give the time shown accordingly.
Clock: {"hour": 4, "minute": 33}
